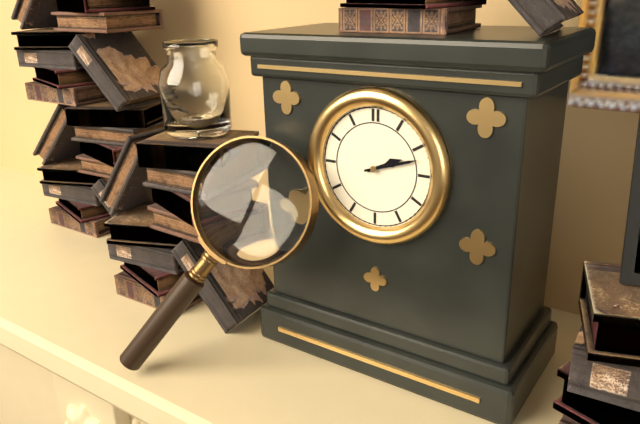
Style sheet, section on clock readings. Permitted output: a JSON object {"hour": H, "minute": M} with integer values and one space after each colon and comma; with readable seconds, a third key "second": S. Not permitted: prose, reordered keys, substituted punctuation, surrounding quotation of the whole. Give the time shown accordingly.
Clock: {"hour": 2, "minute": 12}
